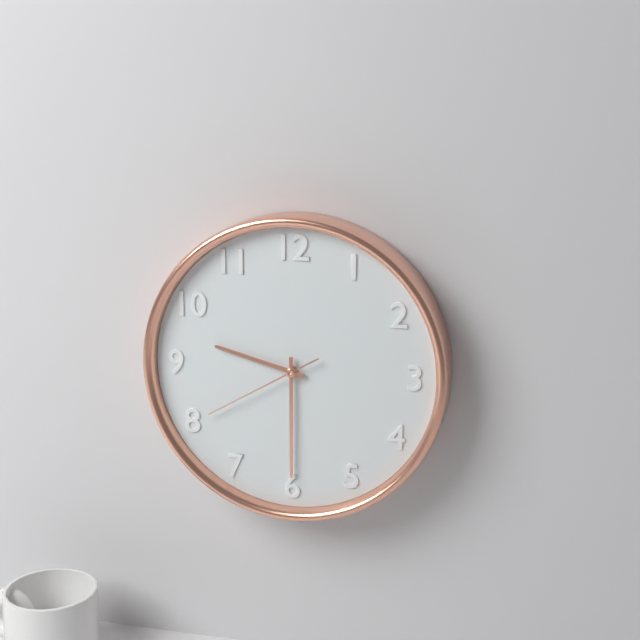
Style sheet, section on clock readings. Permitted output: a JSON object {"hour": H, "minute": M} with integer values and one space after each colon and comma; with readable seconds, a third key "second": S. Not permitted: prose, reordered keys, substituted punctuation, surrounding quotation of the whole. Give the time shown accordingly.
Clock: {"hour": 9, "minute": 30, "second": 40}
